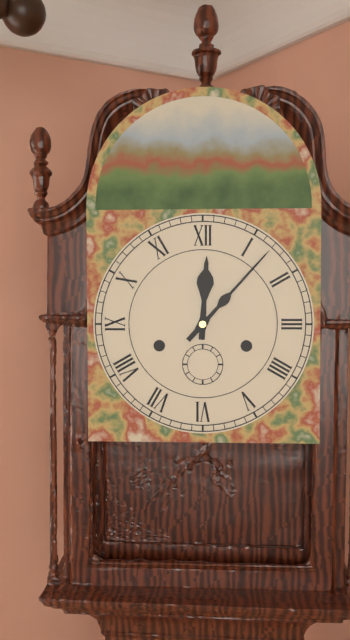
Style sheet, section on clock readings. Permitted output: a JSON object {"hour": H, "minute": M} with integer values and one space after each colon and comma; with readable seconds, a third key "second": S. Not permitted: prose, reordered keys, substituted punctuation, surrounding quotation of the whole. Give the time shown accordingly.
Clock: {"hour": 12, "minute": 7}
